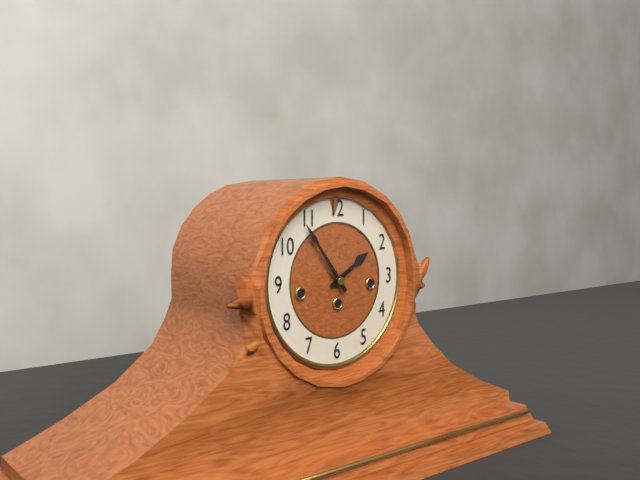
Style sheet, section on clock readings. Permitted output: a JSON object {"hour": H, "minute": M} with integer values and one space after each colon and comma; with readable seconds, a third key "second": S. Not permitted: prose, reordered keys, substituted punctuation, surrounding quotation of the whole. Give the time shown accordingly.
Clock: {"hour": 1, "minute": 54}
